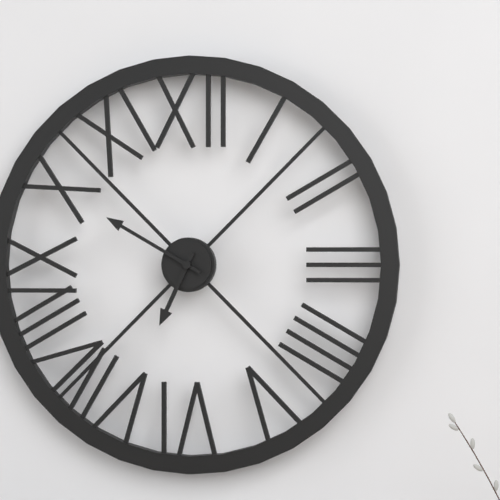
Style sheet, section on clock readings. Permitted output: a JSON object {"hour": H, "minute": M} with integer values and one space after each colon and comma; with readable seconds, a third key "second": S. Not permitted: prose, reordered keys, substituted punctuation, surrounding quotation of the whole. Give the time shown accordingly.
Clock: {"hour": 6, "minute": 50}
